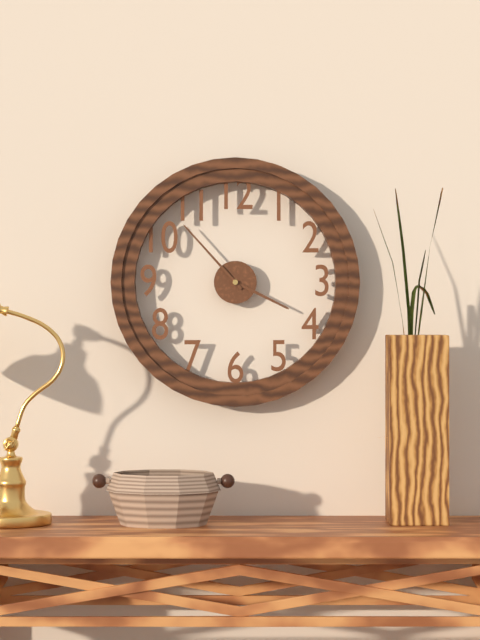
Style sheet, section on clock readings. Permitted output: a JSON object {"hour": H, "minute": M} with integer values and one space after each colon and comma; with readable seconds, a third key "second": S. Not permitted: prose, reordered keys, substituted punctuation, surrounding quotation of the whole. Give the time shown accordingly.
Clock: {"hour": 3, "minute": 53}
